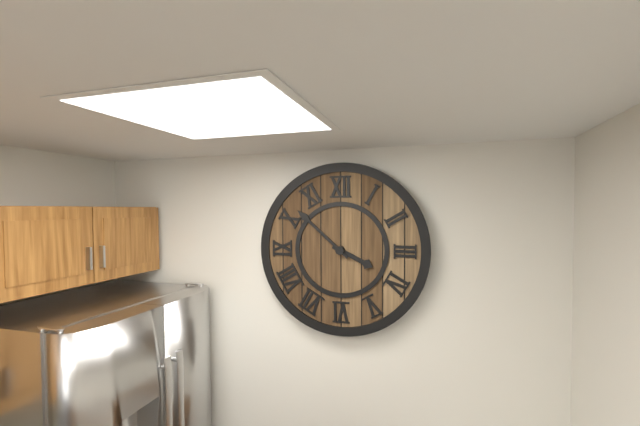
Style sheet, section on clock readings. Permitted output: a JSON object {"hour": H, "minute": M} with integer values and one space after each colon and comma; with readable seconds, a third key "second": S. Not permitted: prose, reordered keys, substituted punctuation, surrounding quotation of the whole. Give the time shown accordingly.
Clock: {"hour": 3, "minute": 52}
